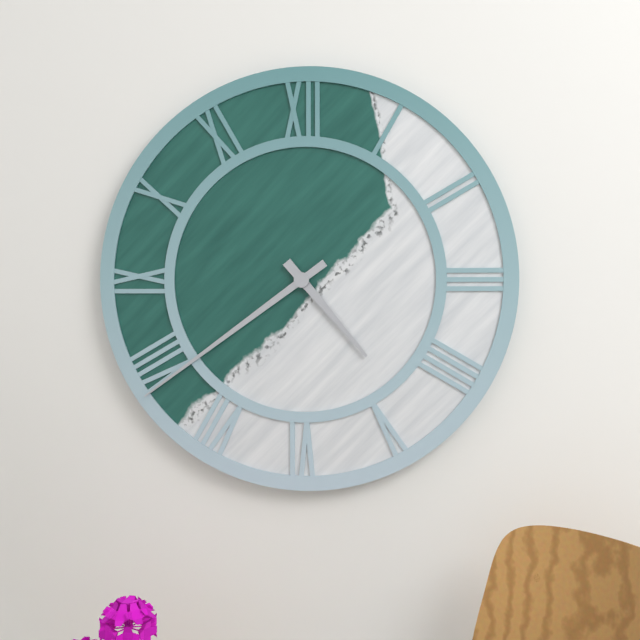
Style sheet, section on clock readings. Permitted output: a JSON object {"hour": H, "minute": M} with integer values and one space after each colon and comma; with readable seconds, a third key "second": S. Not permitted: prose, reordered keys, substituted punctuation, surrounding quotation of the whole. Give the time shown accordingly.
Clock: {"hour": 4, "minute": 39}
